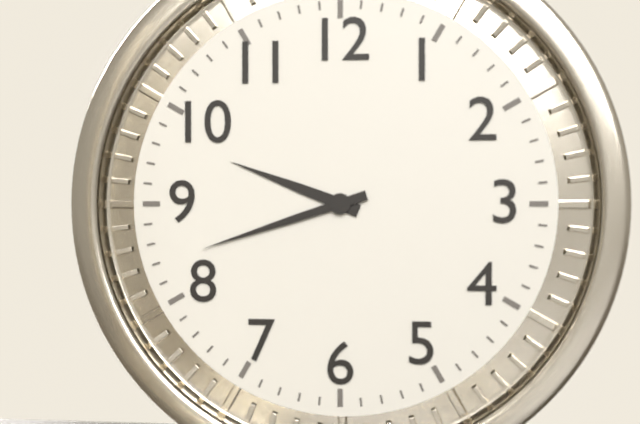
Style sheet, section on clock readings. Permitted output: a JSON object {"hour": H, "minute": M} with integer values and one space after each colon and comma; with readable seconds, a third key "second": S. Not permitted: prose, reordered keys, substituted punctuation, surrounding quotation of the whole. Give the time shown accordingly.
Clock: {"hour": 9, "minute": 42}
